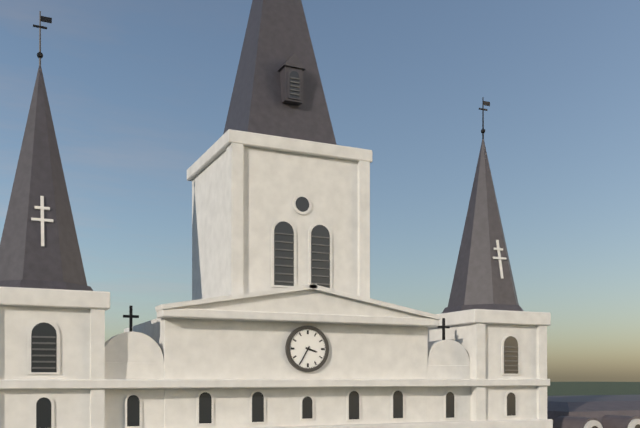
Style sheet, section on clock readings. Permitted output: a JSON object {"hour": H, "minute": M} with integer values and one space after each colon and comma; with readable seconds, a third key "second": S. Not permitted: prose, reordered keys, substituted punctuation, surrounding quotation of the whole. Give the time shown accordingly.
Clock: {"hour": 3, "minute": 35}
